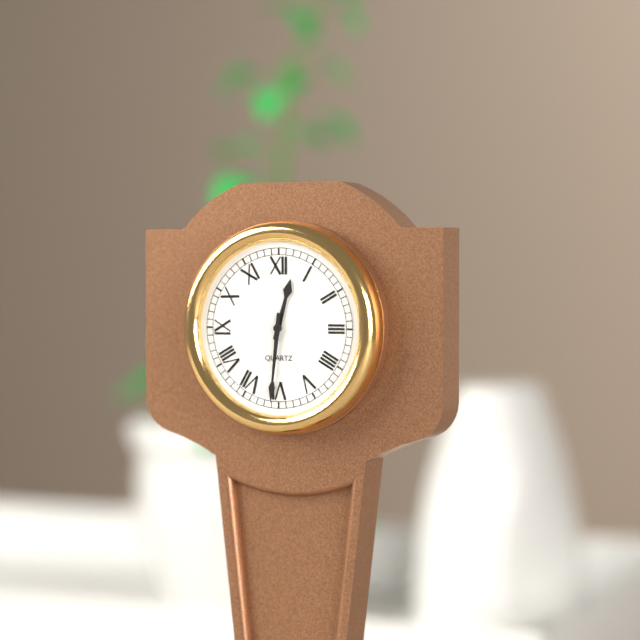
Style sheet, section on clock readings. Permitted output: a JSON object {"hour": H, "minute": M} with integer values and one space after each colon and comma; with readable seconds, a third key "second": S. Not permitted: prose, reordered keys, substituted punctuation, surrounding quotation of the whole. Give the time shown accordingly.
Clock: {"hour": 12, "minute": 31}
